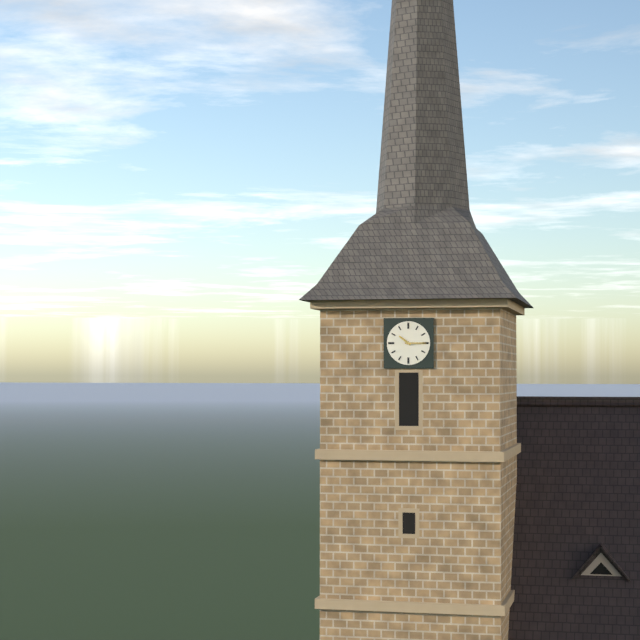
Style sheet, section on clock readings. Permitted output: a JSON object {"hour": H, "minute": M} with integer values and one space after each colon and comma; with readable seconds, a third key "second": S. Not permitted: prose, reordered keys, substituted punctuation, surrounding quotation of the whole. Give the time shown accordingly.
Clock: {"hour": 10, "minute": 15}
